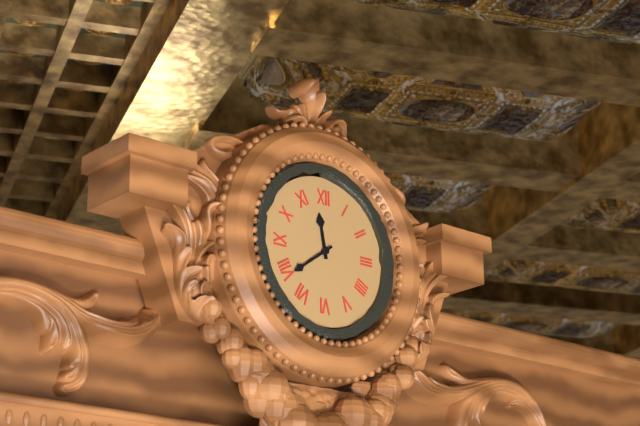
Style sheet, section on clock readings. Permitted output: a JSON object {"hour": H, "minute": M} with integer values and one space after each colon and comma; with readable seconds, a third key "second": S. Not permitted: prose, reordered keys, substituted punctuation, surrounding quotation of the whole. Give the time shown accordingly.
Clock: {"hour": 11, "minute": 39}
